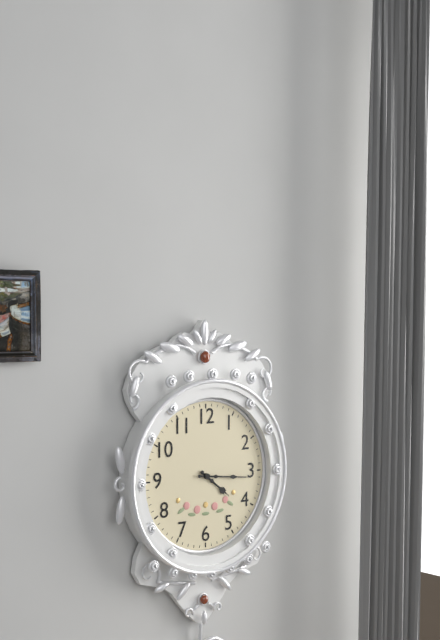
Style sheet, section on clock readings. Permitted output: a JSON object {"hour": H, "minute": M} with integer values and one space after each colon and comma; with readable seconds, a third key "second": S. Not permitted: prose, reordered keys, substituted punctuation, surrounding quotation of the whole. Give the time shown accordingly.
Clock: {"hour": 4, "minute": 16}
